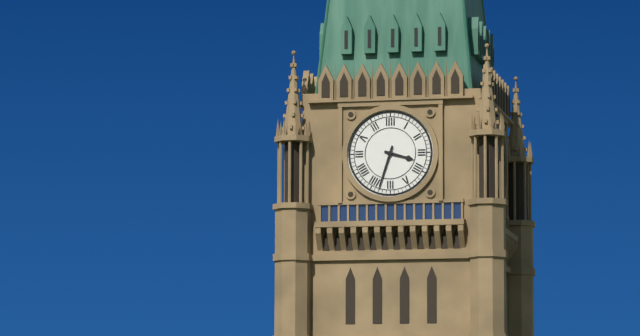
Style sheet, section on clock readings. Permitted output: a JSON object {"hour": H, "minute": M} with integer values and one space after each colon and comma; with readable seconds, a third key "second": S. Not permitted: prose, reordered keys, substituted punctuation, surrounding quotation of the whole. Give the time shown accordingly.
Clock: {"hour": 3, "minute": 33}
